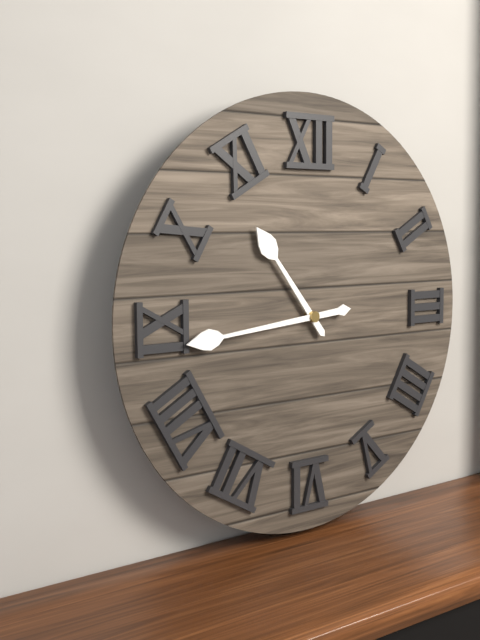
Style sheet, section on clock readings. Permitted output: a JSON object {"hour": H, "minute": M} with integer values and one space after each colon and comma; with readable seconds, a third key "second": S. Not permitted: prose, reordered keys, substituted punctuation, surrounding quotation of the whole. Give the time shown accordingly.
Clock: {"hour": 10, "minute": 44}
